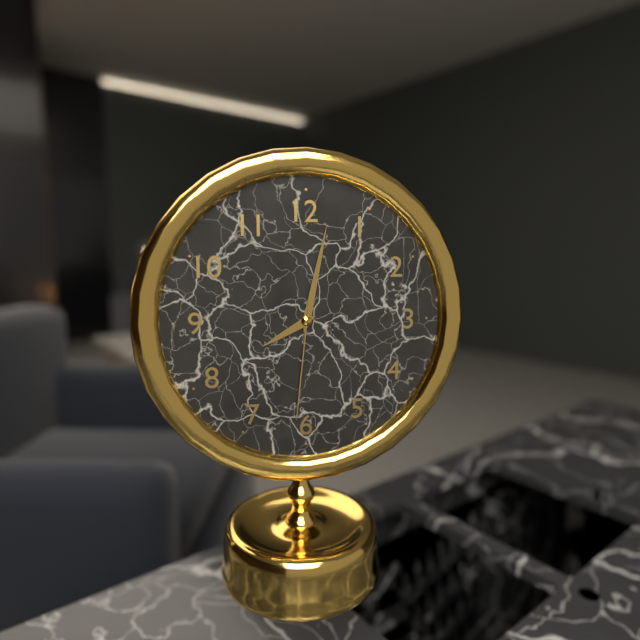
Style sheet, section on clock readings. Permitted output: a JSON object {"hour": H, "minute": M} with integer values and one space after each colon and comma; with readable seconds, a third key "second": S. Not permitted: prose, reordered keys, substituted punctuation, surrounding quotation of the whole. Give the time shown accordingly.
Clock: {"hour": 8, "minute": 2, "second": 31}
